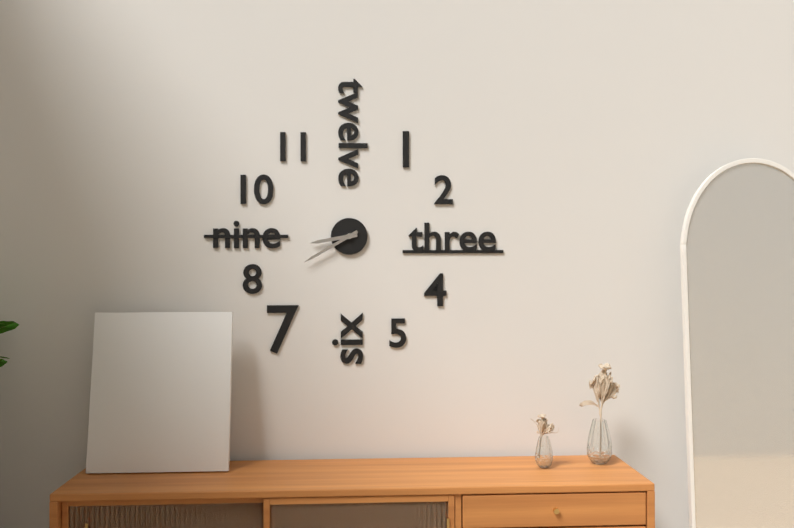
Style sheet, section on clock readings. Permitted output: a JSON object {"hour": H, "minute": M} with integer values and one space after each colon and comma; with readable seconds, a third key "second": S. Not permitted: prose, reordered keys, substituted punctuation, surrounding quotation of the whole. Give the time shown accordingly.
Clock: {"hour": 8, "minute": 40}
